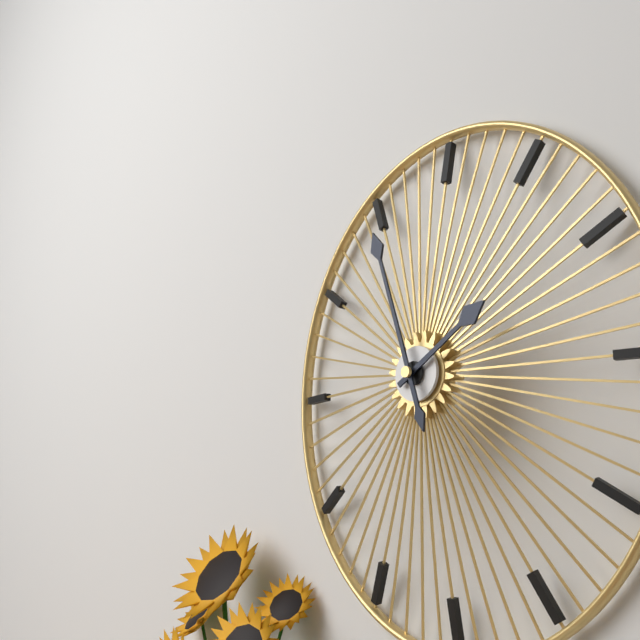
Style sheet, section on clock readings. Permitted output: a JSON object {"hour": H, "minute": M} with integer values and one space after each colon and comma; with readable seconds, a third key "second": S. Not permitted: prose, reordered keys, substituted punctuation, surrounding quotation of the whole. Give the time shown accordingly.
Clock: {"hour": 1, "minute": 57}
